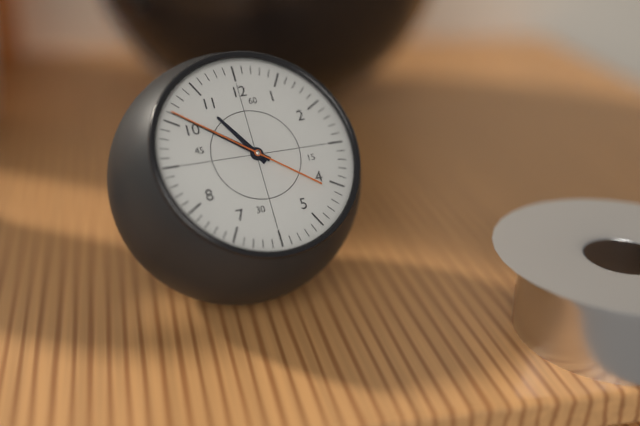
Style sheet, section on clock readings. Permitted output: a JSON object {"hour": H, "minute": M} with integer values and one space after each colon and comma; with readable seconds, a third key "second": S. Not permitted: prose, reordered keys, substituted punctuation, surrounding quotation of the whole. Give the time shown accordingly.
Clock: {"hour": 10, "minute": 51, "second": 51}
